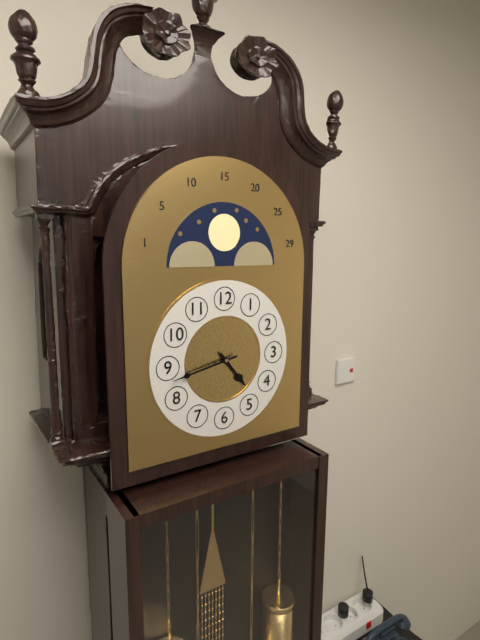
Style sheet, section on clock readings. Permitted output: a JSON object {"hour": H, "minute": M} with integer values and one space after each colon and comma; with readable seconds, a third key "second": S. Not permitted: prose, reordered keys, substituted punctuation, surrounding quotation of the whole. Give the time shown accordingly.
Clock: {"hour": 4, "minute": 43}
